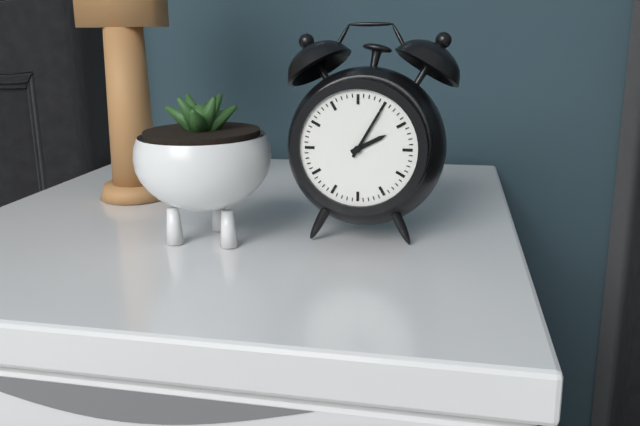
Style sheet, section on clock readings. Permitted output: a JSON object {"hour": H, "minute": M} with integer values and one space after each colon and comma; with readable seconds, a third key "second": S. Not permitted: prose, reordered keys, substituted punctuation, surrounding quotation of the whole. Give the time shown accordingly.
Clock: {"hour": 2, "minute": 5}
